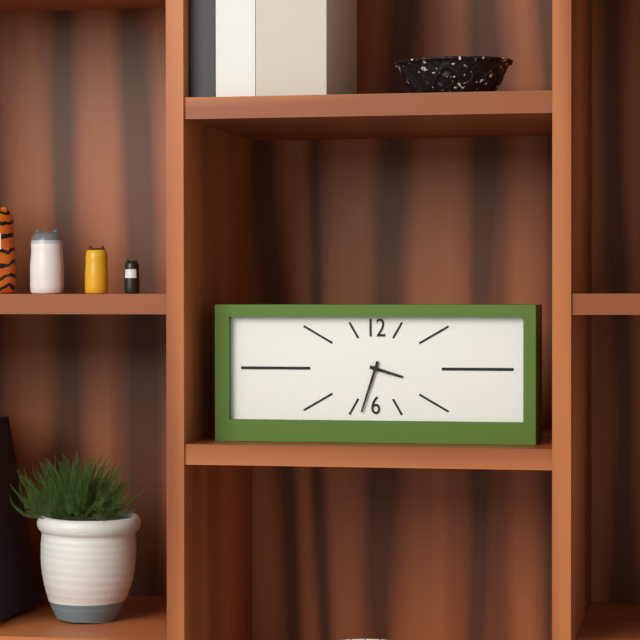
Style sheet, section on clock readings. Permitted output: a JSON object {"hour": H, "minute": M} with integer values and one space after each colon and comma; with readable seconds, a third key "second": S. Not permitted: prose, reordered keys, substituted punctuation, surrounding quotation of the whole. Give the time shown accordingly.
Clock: {"hour": 3, "minute": 33}
